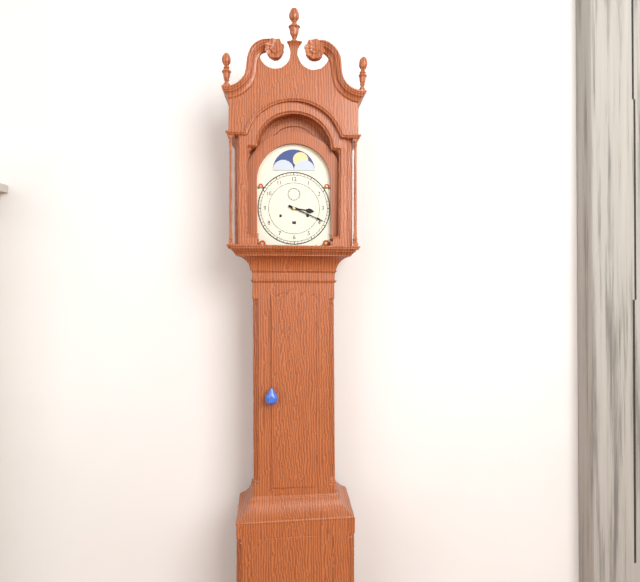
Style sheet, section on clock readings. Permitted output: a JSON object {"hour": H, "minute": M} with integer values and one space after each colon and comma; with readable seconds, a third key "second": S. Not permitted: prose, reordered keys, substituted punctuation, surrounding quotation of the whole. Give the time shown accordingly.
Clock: {"hour": 3, "minute": 19}
